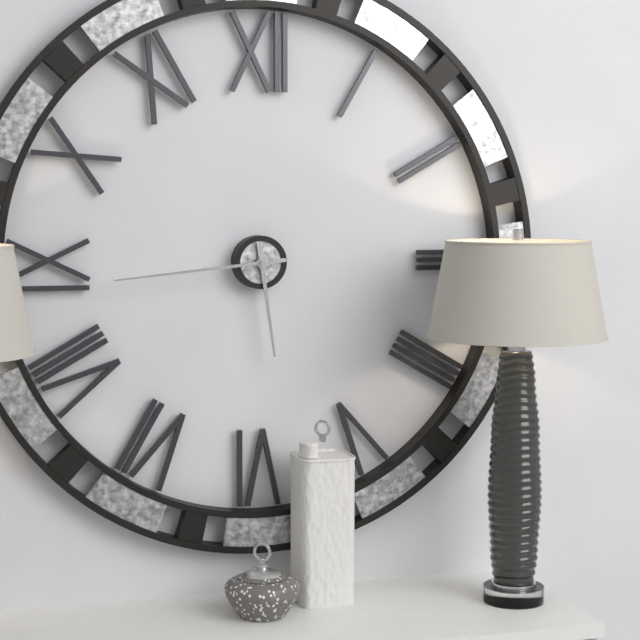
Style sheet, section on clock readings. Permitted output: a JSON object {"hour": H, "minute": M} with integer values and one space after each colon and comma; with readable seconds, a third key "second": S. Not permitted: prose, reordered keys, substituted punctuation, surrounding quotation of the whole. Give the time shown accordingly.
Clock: {"hour": 5, "minute": 44}
